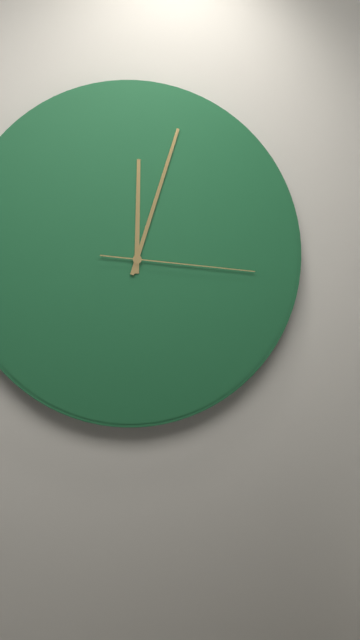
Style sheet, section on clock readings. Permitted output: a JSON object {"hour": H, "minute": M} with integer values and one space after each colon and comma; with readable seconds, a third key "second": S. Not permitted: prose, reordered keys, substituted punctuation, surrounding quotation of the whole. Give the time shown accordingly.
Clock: {"hour": 12, "minute": 3, "second": 16}
